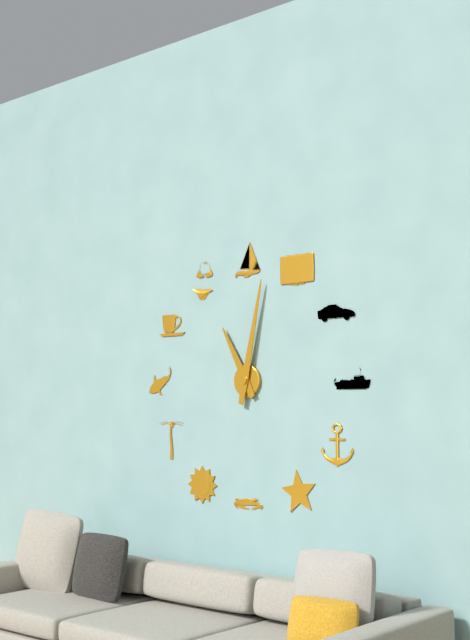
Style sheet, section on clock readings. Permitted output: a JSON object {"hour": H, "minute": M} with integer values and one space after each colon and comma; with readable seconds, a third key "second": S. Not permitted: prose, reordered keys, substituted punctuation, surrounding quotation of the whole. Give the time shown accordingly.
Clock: {"hour": 11, "minute": 2}
